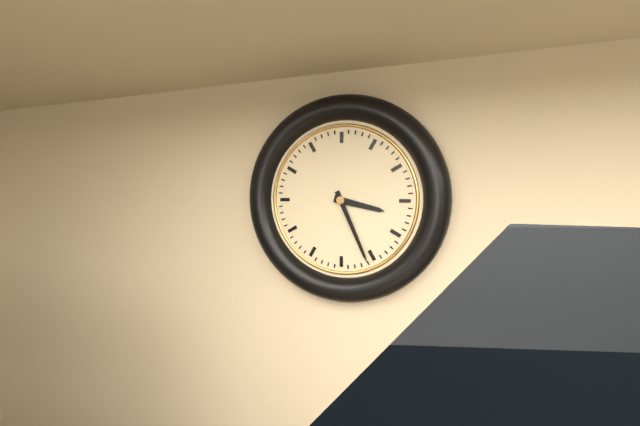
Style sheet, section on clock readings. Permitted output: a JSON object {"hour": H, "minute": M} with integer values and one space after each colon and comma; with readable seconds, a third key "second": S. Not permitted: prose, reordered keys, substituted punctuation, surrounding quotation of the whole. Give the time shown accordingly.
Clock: {"hour": 3, "minute": 26}
